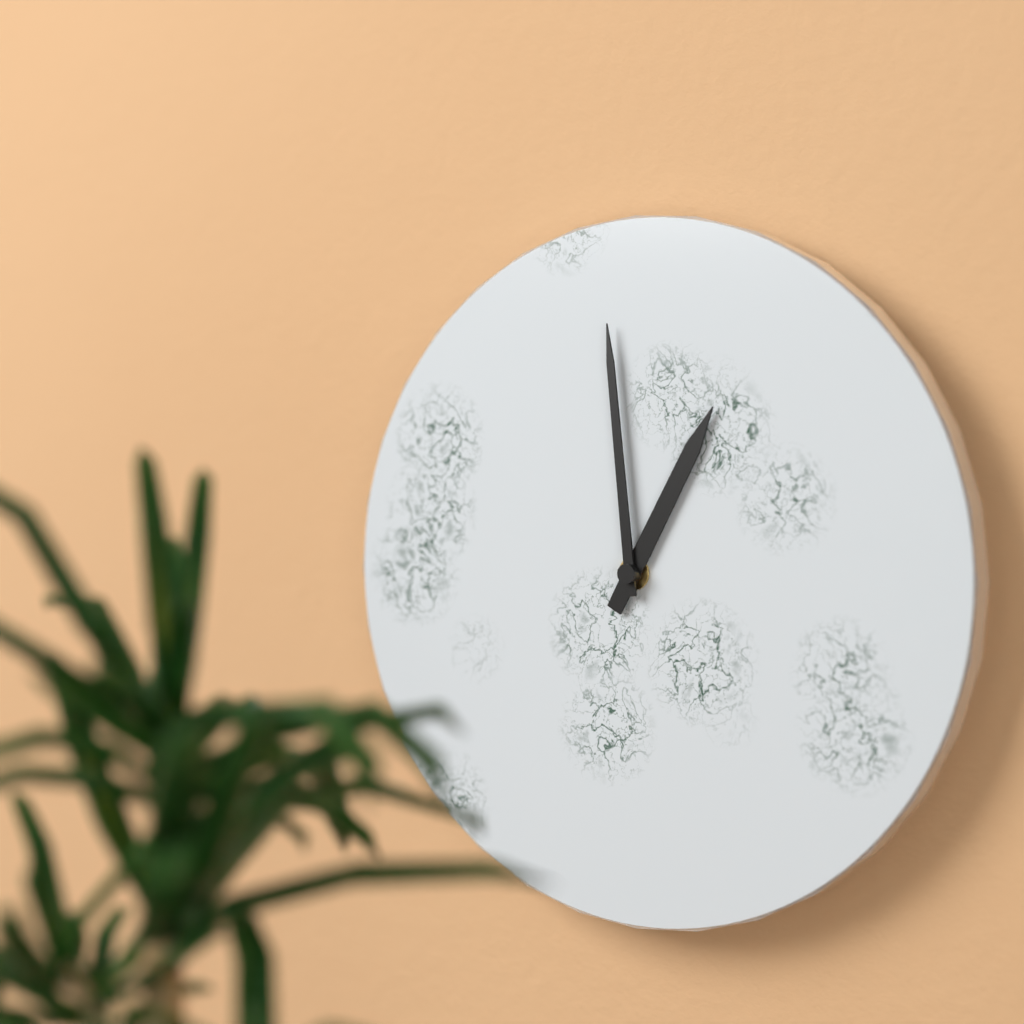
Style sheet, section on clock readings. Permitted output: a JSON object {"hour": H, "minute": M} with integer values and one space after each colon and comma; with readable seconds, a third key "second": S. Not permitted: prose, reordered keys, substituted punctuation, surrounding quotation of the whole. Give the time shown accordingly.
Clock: {"hour": 12, "minute": 59}
